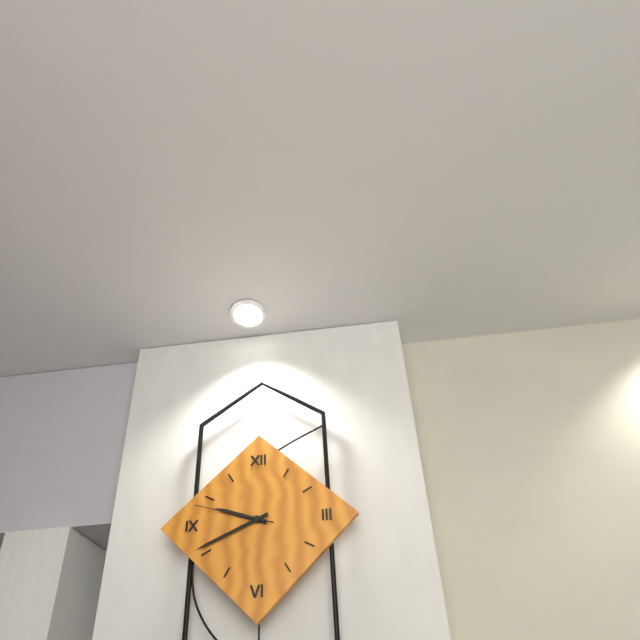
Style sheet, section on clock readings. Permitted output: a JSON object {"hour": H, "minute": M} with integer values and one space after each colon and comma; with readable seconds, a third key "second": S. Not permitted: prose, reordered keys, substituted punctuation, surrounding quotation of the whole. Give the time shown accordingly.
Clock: {"hour": 9, "minute": 41, "second": 48}
